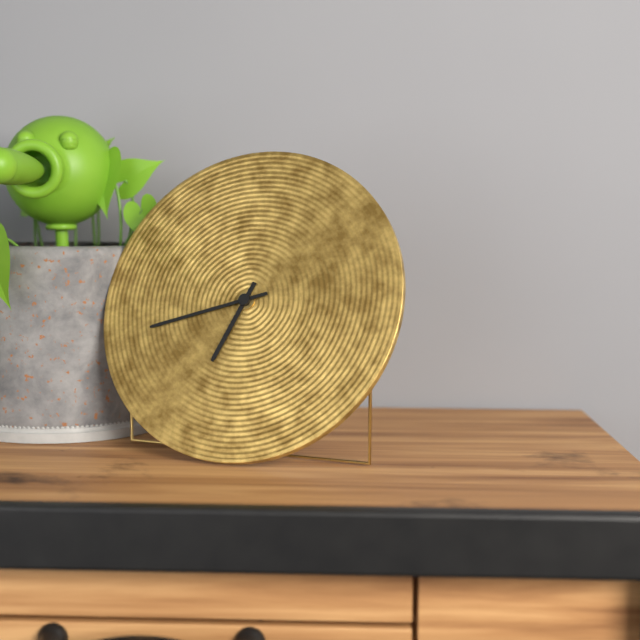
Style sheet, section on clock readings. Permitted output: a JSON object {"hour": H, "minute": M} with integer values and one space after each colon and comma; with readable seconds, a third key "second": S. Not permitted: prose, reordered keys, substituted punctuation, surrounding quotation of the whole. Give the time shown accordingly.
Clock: {"hour": 6, "minute": 42}
